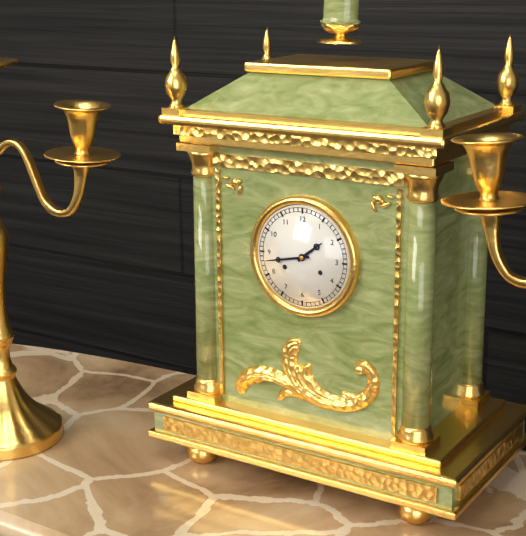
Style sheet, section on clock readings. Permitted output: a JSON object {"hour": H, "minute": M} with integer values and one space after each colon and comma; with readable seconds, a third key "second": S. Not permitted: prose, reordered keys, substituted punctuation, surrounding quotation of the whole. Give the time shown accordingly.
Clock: {"hour": 1, "minute": 43}
